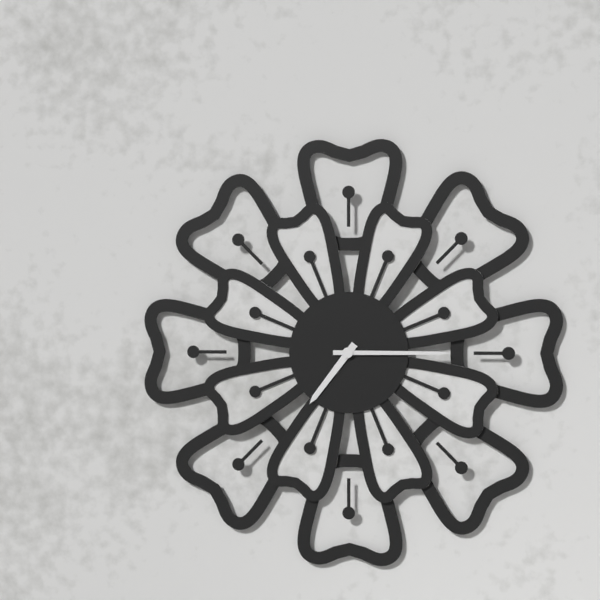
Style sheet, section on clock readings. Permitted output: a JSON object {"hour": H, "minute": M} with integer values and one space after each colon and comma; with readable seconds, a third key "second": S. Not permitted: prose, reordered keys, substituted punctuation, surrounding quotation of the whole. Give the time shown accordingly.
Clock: {"hour": 7, "minute": 15}
